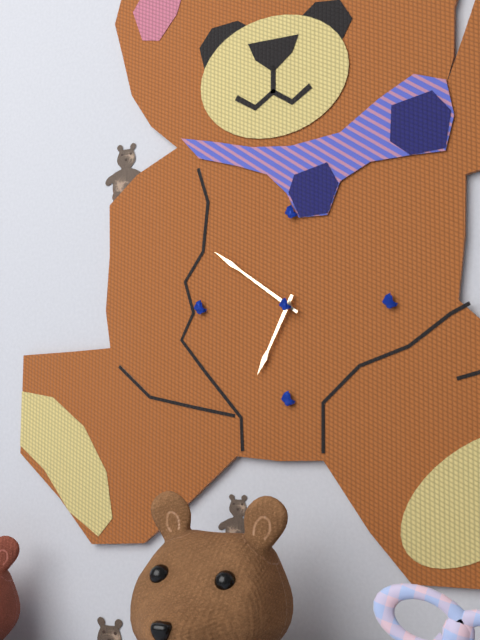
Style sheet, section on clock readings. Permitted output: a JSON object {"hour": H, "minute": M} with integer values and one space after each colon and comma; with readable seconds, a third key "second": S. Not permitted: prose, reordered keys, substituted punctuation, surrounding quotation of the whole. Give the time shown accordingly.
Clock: {"hour": 6, "minute": 51}
